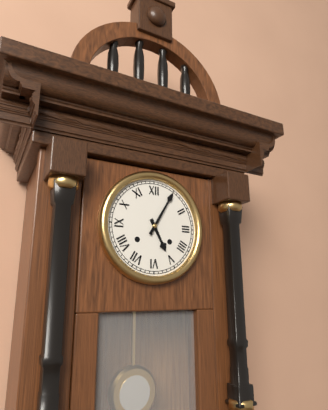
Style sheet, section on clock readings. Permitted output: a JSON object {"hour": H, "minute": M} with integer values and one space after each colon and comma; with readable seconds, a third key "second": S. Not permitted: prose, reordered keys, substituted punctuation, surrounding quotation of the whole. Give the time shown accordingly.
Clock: {"hour": 5, "minute": 5}
